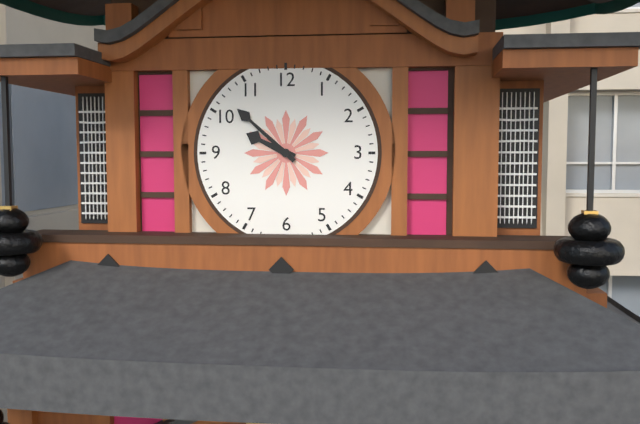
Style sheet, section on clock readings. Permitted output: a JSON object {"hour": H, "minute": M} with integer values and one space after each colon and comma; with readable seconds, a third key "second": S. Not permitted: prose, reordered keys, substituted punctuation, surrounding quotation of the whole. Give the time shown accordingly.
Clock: {"hour": 9, "minute": 52}
